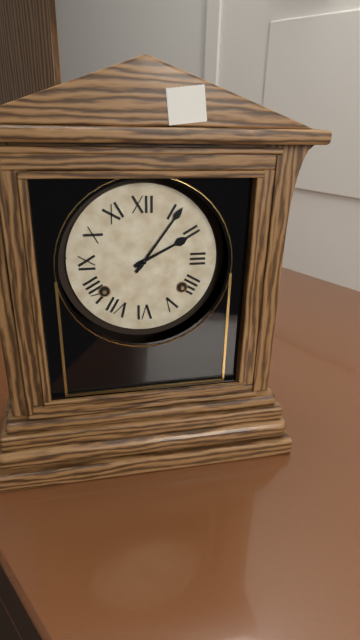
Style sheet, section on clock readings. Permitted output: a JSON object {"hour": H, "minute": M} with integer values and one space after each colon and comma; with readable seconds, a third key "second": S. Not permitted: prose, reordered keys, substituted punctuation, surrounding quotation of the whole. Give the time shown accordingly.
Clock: {"hour": 2, "minute": 6}
